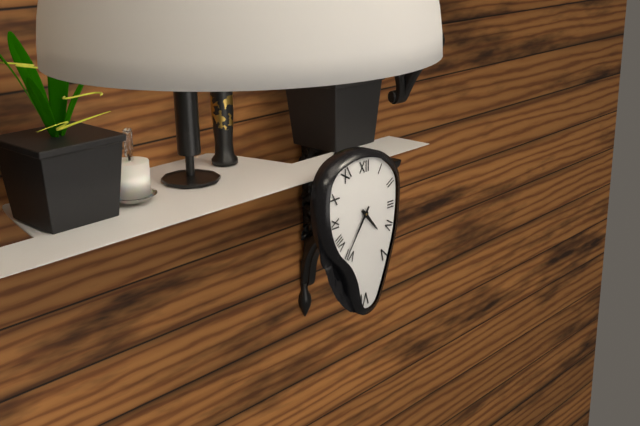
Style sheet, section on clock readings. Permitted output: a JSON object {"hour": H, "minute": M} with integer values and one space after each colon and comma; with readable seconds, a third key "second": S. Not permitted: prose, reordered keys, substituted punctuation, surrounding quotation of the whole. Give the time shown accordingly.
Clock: {"hour": 4, "minute": 36}
